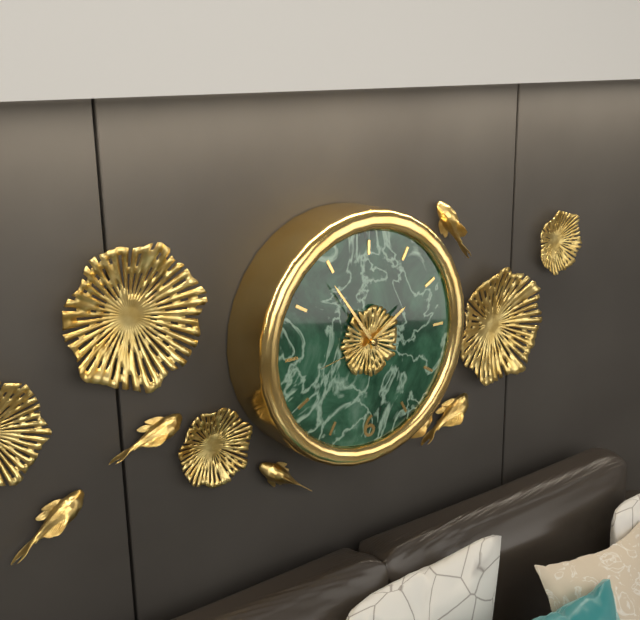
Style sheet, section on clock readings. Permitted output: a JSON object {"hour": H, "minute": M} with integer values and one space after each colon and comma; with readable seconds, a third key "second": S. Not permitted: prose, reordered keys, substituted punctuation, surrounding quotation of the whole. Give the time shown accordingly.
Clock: {"hour": 1, "minute": 54, "second": 43}
